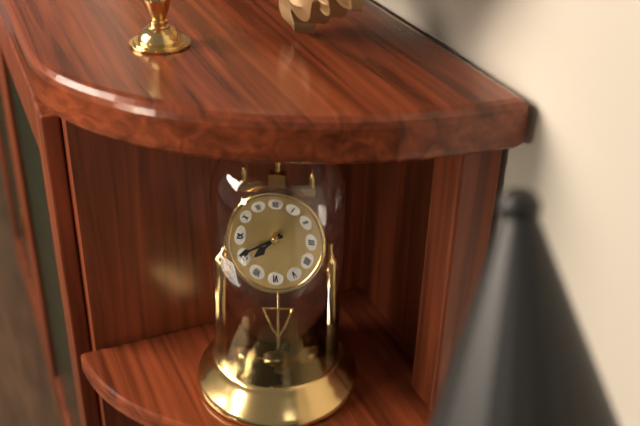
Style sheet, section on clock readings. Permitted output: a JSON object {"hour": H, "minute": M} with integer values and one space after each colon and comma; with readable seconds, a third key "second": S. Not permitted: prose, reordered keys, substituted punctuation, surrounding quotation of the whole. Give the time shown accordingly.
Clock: {"hour": 7, "minute": 41}
